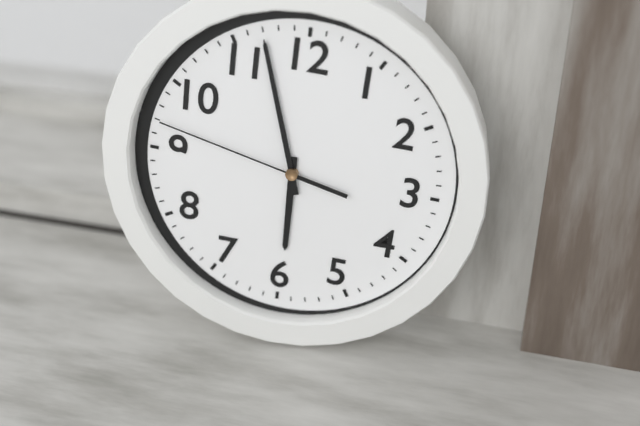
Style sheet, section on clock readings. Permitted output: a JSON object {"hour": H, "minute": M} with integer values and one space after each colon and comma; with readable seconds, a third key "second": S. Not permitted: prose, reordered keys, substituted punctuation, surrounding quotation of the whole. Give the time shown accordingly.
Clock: {"hour": 5, "minute": 57, "second": 47}
